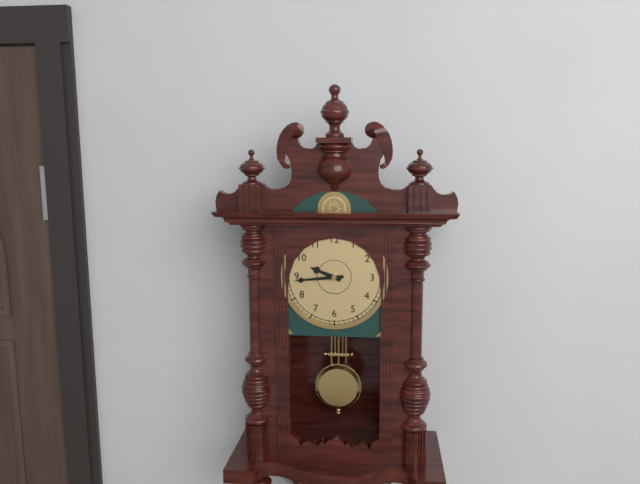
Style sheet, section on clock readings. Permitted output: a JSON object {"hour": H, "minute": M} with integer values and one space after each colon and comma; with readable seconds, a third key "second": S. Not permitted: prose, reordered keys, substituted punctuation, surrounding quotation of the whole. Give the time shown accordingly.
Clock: {"hour": 9, "minute": 44}
